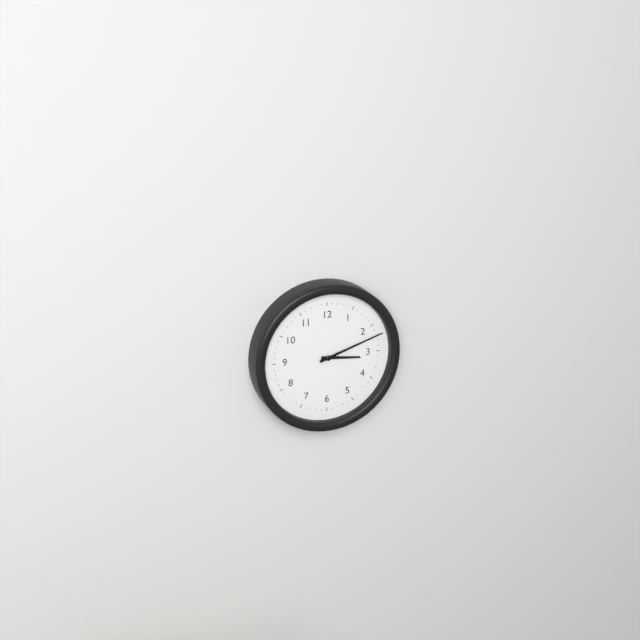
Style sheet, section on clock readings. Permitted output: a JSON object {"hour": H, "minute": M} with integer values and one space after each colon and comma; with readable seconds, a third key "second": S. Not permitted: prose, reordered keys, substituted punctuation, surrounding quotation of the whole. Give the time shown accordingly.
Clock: {"hour": 3, "minute": 12}
